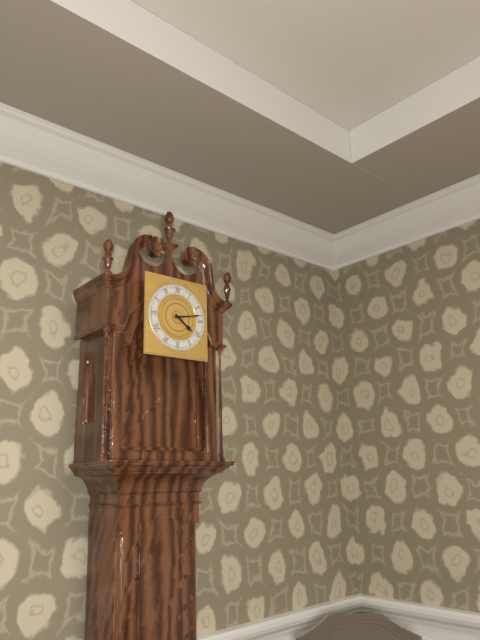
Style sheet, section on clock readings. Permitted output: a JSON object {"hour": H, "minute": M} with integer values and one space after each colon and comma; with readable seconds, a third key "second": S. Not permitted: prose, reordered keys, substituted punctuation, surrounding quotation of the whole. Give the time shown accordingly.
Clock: {"hour": 4, "minute": 13}
